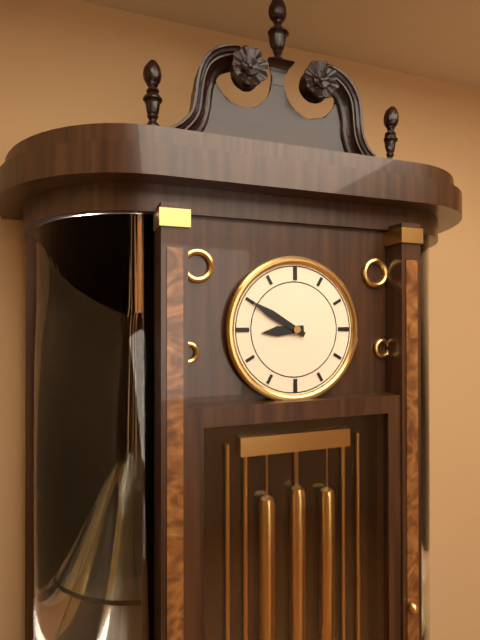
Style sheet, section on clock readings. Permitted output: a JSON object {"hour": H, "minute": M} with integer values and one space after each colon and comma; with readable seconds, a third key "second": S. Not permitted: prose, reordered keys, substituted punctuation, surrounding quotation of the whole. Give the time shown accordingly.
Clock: {"hour": 8, "minute": 50}
